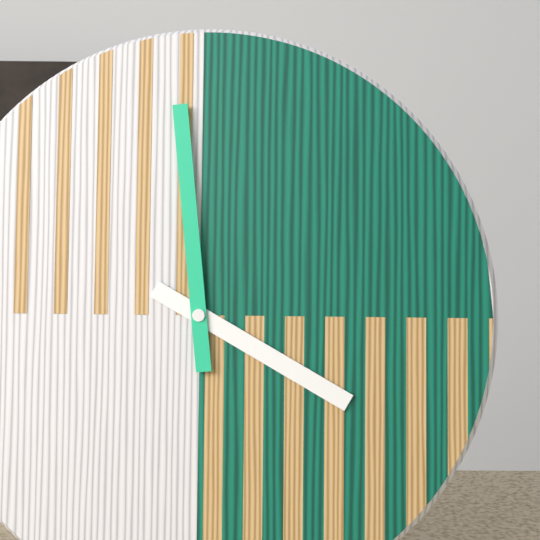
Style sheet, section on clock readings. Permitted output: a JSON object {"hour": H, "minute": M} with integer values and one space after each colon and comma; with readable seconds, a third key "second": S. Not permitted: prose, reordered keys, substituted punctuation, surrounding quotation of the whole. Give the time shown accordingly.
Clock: {"hour": 3, "minute": 59}
